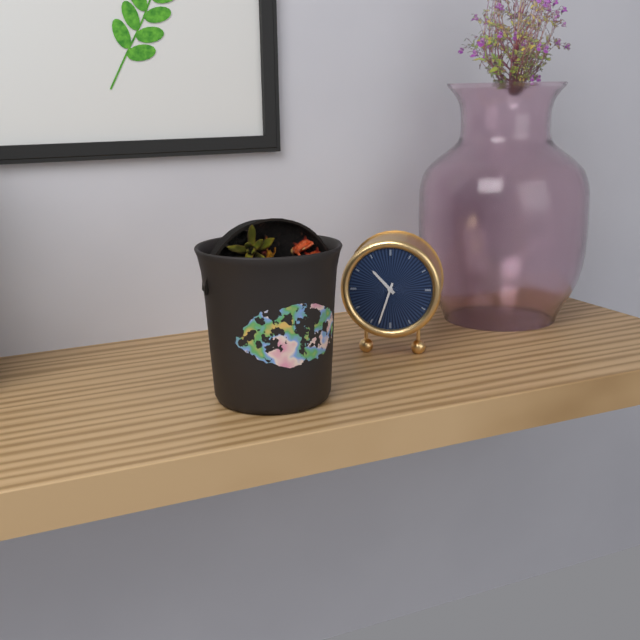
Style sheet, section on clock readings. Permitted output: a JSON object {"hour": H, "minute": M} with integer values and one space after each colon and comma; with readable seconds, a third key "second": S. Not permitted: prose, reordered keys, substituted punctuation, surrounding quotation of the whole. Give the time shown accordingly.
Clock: {"hour": 10, "minute": 33}
